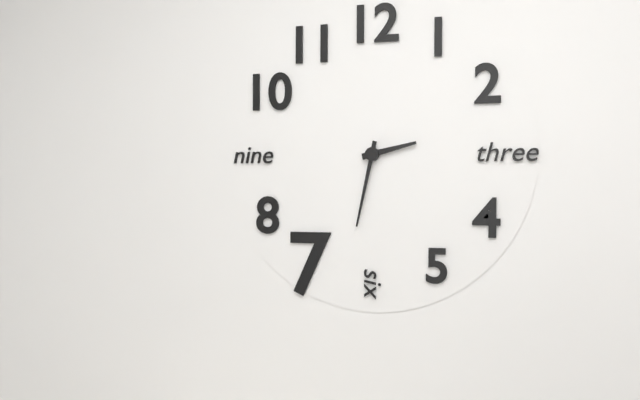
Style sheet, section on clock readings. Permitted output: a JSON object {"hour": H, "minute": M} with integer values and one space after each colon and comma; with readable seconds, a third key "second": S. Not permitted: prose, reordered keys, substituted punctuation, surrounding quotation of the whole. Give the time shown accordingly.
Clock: {"hour": 2, "minute": 32}
